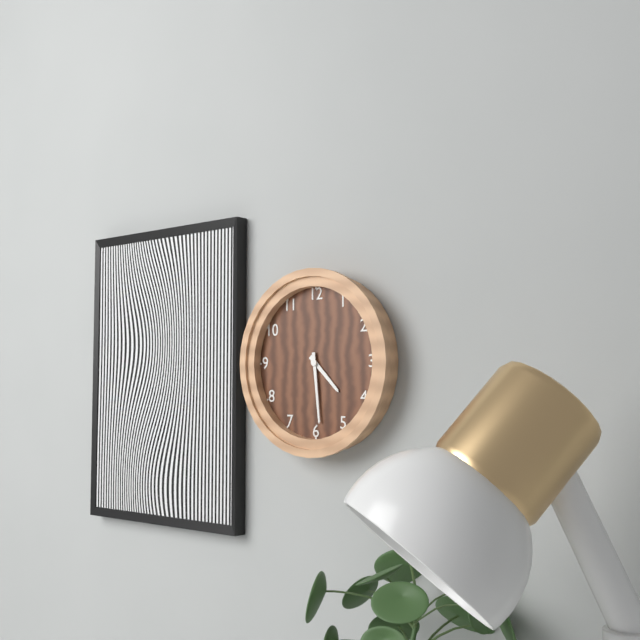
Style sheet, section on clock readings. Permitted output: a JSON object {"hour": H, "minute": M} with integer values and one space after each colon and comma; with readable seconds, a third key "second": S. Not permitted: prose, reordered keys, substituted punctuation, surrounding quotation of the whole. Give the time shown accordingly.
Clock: {"hour": 4, "minute": 29}
